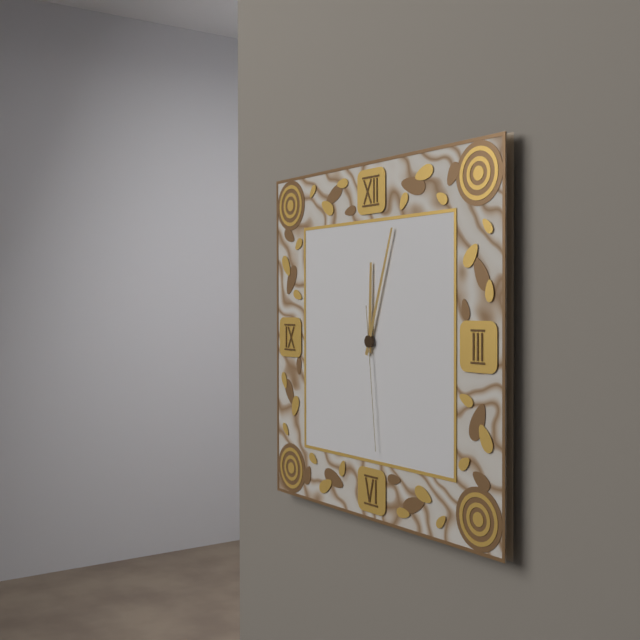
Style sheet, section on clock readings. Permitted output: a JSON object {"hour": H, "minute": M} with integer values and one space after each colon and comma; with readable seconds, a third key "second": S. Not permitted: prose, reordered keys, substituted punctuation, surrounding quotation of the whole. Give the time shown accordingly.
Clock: {"hour": 12, "minute": 3, "second": 29}
